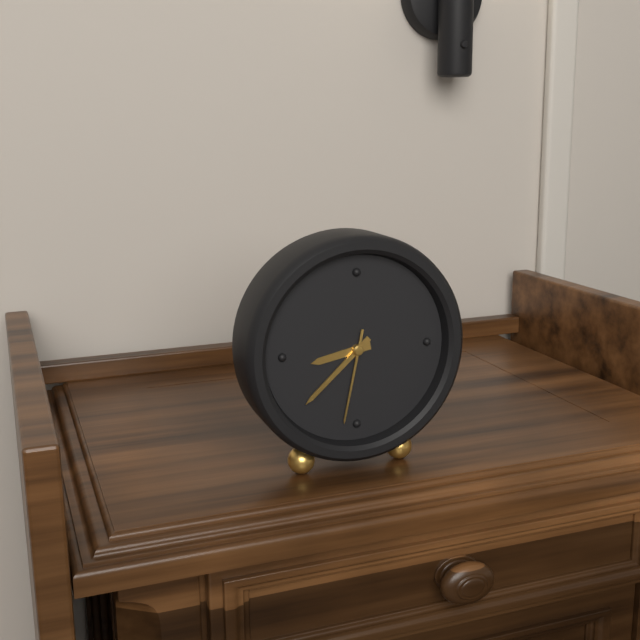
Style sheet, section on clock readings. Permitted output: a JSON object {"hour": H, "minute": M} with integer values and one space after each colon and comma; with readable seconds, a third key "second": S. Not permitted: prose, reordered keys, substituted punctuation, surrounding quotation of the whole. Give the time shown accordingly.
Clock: {"hour": 8, "minute": 38, "second": 32}
